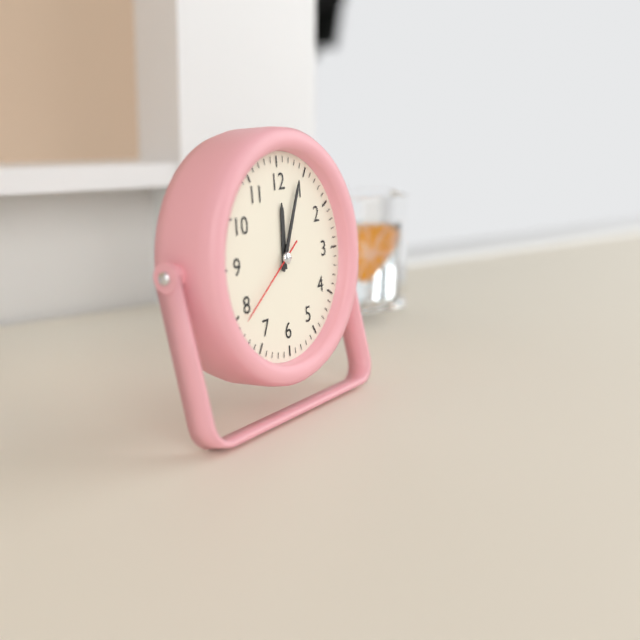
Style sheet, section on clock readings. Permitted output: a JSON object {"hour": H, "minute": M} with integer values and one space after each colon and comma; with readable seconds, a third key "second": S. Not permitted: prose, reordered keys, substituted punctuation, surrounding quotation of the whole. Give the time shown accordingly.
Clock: {"hour": 12, "minute": 4, "second": 39}
